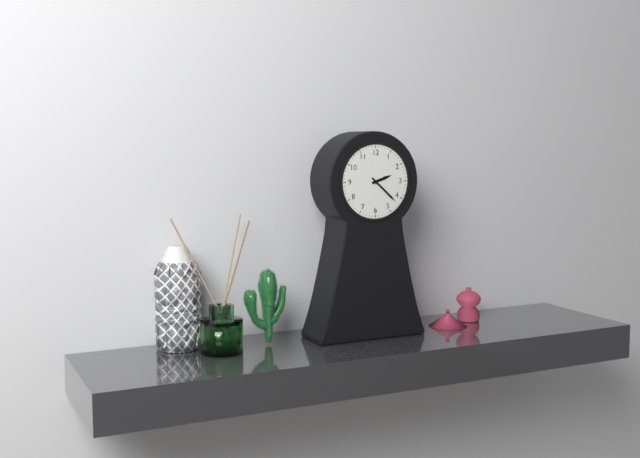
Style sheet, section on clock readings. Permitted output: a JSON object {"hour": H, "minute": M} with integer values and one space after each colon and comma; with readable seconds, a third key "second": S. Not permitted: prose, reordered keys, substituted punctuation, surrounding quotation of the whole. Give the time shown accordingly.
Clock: {"hour": 2, "minute": 22}
